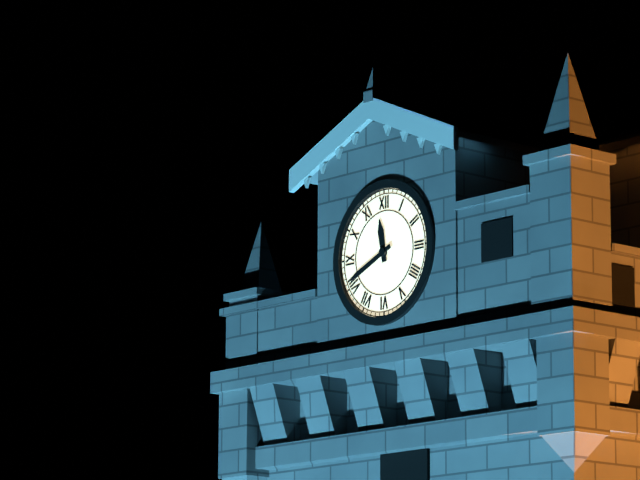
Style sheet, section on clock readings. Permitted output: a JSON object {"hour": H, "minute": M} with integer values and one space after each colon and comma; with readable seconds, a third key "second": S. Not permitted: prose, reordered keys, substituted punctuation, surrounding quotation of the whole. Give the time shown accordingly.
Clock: {"hour": 11, "minute": 41}
